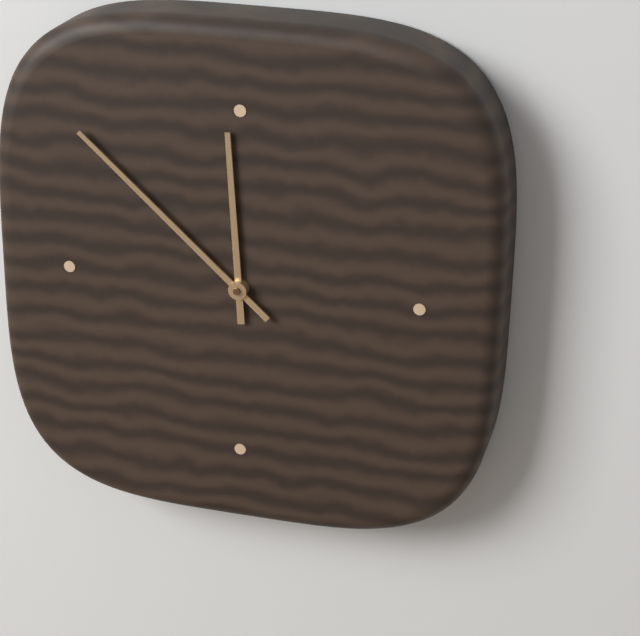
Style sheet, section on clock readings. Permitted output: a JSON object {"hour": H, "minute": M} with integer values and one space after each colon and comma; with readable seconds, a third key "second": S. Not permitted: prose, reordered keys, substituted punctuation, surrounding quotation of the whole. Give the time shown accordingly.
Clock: {"hour": 11, "minute": 52}
